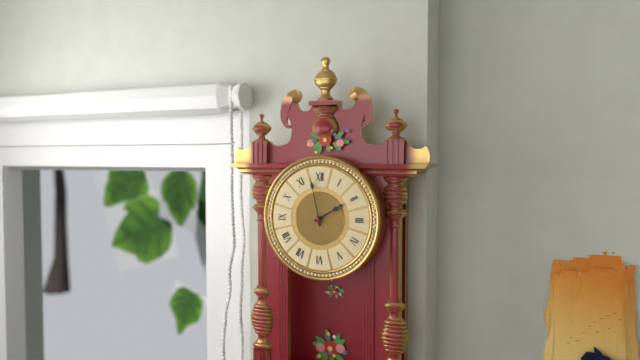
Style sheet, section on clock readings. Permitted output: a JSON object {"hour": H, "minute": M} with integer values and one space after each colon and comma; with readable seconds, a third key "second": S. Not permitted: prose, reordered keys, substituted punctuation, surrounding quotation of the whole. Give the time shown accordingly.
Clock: {"hour": 1, "minute": 58}
